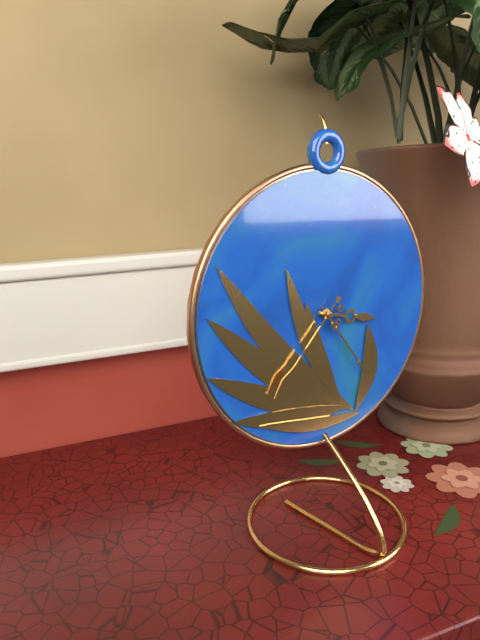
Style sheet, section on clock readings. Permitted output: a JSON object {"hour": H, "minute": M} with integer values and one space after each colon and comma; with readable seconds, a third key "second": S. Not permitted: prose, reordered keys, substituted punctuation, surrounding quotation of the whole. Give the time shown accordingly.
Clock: {"hour": 3, "minute": 24, "second": 37}
